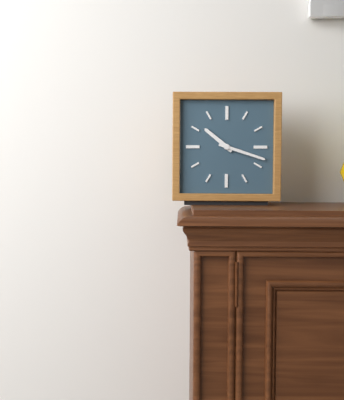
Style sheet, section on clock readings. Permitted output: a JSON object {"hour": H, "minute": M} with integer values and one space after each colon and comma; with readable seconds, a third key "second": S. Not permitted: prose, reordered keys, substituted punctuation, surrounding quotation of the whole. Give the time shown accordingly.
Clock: {"hour": 10, "minute": 18}
